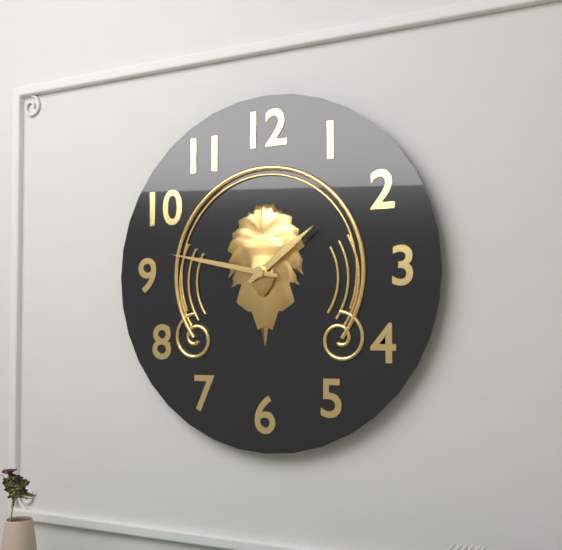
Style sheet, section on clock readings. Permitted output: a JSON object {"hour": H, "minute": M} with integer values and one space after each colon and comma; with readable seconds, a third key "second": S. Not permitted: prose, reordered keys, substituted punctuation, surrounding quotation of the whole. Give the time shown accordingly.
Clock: {"hour": 1, "minute": 47}
